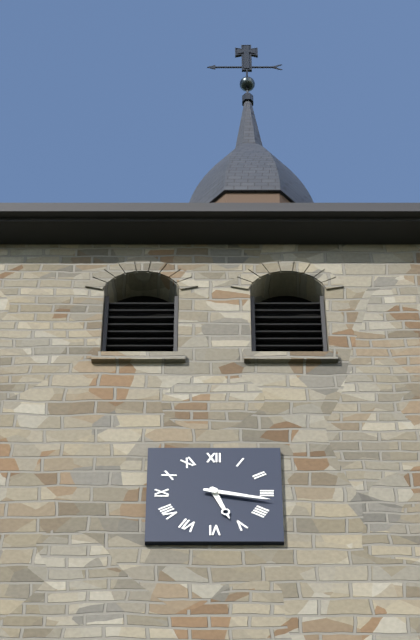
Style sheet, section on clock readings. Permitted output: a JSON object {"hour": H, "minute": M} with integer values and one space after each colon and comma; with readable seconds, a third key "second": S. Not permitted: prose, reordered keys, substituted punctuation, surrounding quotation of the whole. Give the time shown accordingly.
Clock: {"hour": 5, "minute": 17}
